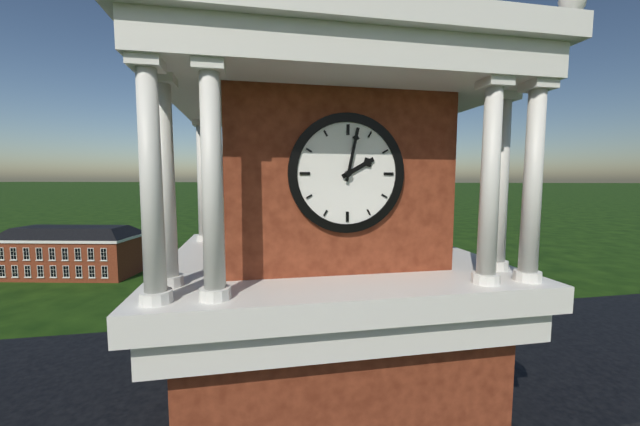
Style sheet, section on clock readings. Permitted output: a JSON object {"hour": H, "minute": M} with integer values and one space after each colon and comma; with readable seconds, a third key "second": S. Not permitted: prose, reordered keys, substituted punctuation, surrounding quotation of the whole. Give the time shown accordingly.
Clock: {"hour": 2, "minute": 2}
